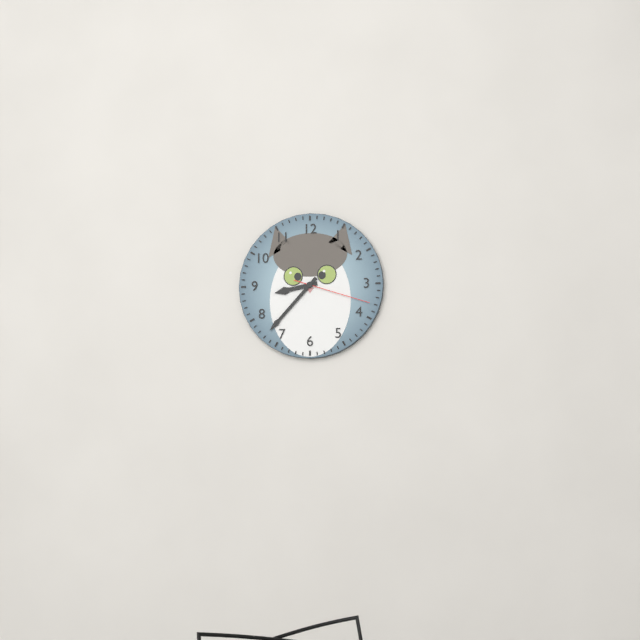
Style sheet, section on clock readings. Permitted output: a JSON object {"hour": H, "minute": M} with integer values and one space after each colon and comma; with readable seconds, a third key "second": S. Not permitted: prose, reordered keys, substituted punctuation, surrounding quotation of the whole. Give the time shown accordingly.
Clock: {"hour": 8, "minute": 37, "second": 18}
